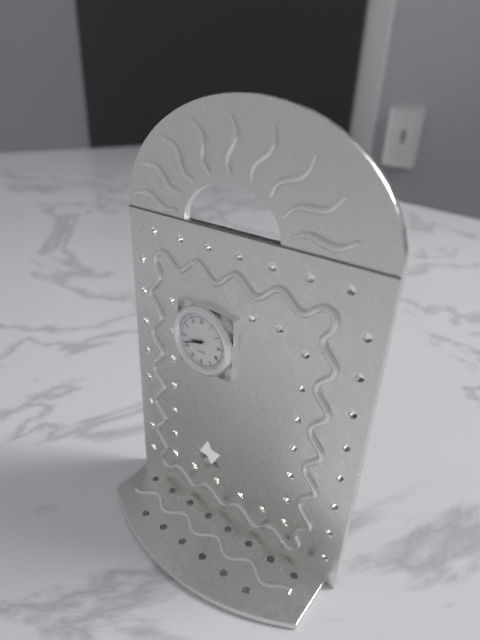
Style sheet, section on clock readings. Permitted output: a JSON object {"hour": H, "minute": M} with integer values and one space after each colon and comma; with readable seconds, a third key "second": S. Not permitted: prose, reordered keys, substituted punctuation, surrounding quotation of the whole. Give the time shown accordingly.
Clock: {"hour": 8, "minute": 42}
